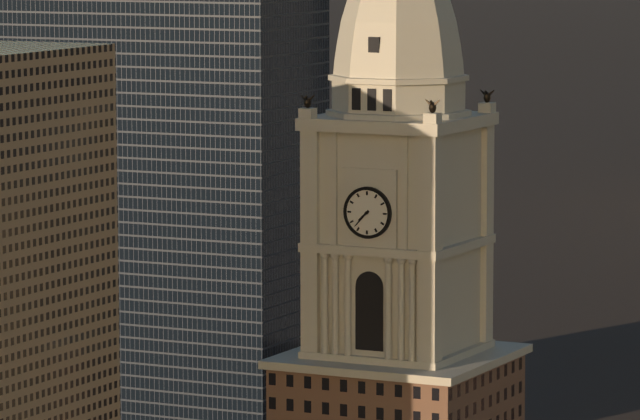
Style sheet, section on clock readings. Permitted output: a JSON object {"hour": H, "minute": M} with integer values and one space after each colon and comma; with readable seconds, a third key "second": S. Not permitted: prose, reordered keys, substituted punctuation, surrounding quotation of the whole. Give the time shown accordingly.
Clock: {"hour": 7, "minute": 37}
